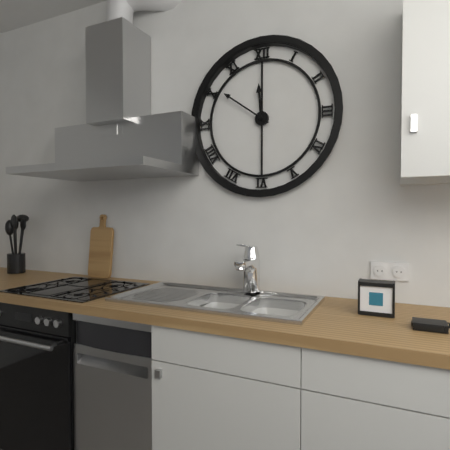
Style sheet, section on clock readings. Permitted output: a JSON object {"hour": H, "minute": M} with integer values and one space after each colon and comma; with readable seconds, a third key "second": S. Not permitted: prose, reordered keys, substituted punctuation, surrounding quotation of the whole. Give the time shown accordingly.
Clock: {"hour": 11, "minute": 51}
